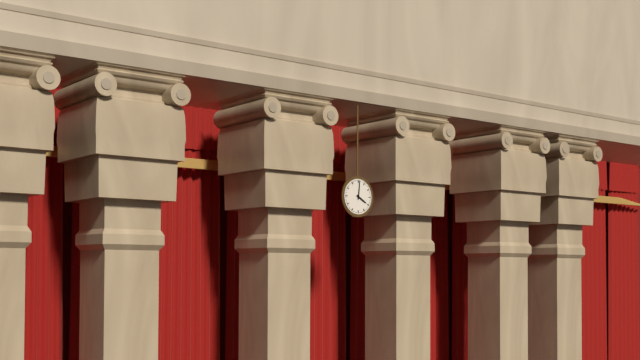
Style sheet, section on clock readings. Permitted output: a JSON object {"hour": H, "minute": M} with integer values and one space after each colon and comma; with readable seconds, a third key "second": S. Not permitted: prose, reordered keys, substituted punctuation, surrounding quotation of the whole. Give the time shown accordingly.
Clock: {"hour": 4, "minute": 1}
